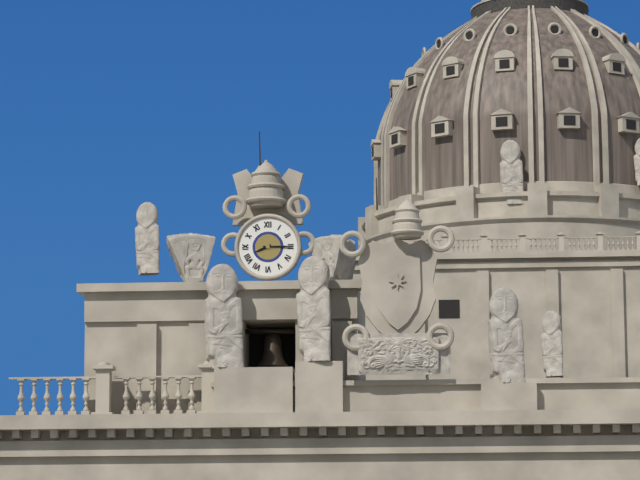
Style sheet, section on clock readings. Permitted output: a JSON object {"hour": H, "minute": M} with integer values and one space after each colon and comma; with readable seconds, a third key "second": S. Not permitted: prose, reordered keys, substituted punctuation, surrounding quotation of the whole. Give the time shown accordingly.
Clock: {"hour": 8, "minute": 15}
